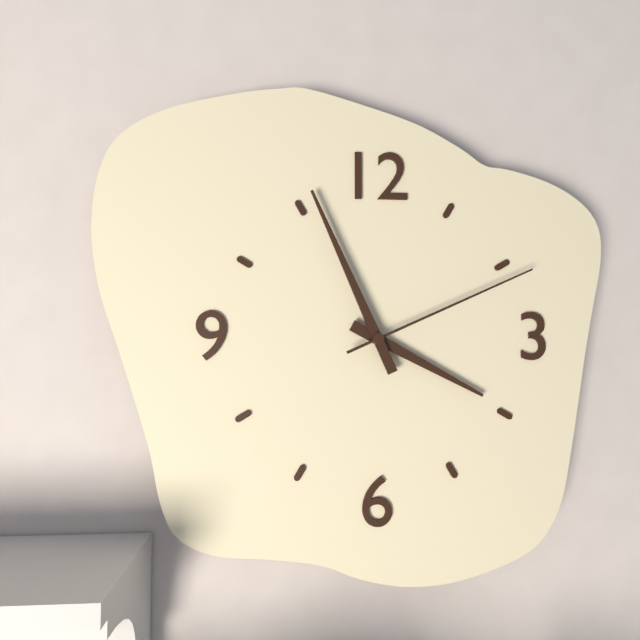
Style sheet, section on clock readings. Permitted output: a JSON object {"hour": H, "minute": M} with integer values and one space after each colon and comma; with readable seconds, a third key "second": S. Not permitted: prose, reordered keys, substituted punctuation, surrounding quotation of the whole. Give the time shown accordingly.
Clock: {"hour": 3, "minute": 56, "second": 11}
